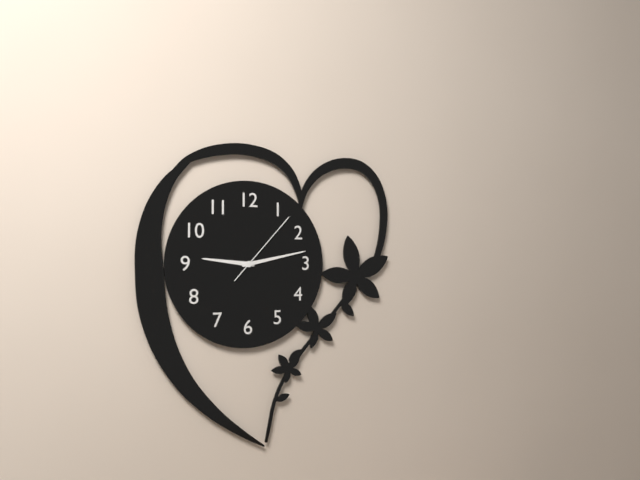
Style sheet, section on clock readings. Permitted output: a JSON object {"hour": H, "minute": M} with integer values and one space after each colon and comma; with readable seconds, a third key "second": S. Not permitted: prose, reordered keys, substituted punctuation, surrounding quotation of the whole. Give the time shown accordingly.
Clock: {"hour": 9, "minute": 13, "second": 7}
